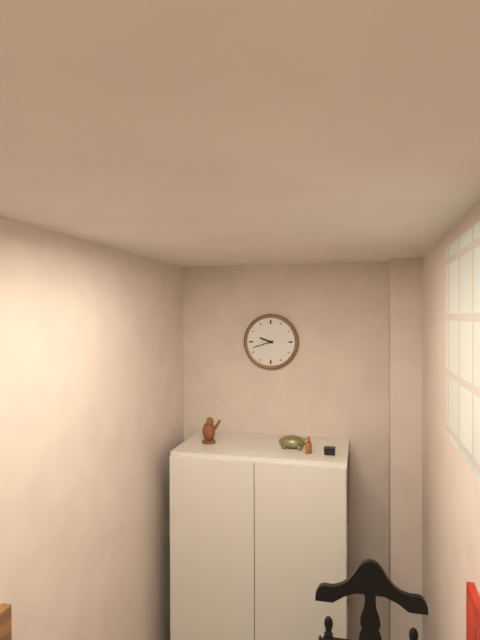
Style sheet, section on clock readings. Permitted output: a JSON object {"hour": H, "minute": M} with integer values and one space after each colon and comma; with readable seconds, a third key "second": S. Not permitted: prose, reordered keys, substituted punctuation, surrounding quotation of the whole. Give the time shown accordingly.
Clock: {"hour": 9, "minute": 42}
